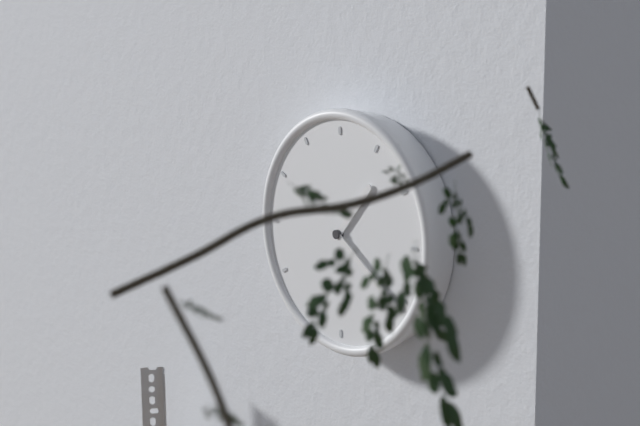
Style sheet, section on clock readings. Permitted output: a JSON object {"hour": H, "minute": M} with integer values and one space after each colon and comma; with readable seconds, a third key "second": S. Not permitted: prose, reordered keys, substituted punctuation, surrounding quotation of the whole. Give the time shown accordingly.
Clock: {"hour": 1, "minute": 21}
